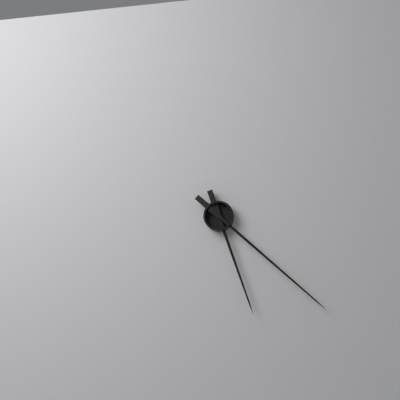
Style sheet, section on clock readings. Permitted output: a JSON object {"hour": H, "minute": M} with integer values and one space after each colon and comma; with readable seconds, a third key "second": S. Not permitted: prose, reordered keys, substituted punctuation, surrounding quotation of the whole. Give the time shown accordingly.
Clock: {"hour": 5, "minute": 22}
